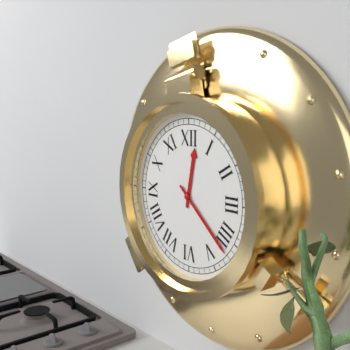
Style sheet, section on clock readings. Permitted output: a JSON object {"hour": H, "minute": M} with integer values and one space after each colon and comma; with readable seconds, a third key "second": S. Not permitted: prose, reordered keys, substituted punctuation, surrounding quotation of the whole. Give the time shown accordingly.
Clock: {"hour": 12, "minute": 22}
